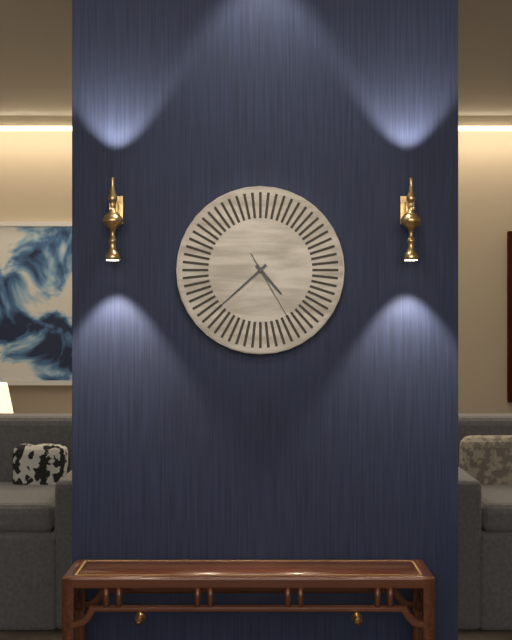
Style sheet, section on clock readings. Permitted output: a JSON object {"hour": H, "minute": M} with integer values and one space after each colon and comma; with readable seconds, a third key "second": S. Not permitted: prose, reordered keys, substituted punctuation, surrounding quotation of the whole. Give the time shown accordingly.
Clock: {"hour": 4, "minute": 38, "second": 25}
